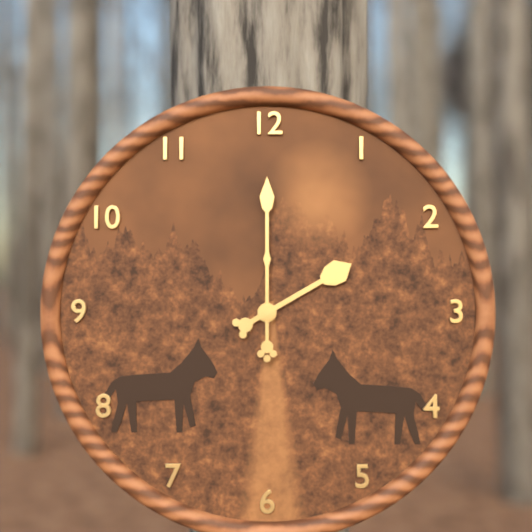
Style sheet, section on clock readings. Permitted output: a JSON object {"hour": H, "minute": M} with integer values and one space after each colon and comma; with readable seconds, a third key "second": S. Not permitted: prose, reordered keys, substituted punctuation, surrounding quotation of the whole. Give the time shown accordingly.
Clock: {"hour": 2, "minute": 0}
